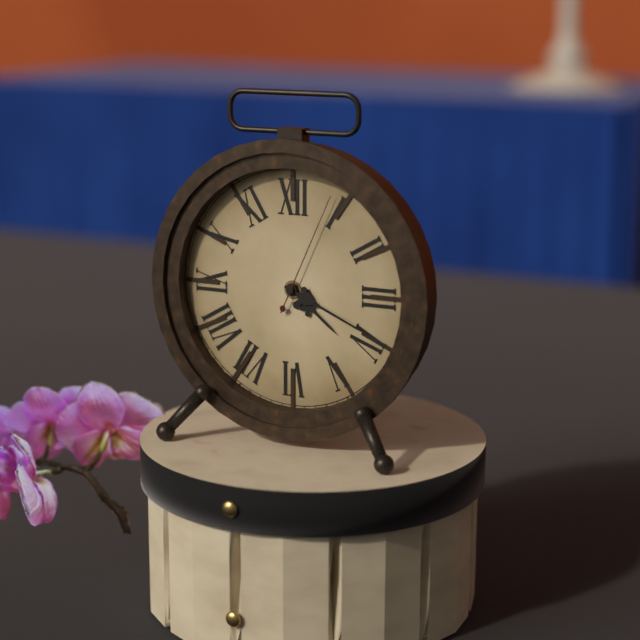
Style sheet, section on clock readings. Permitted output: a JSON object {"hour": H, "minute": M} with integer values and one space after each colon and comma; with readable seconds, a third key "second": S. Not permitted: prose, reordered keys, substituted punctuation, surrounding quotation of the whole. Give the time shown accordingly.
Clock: {"hour": 4, "minute": 19, "second": 4}
